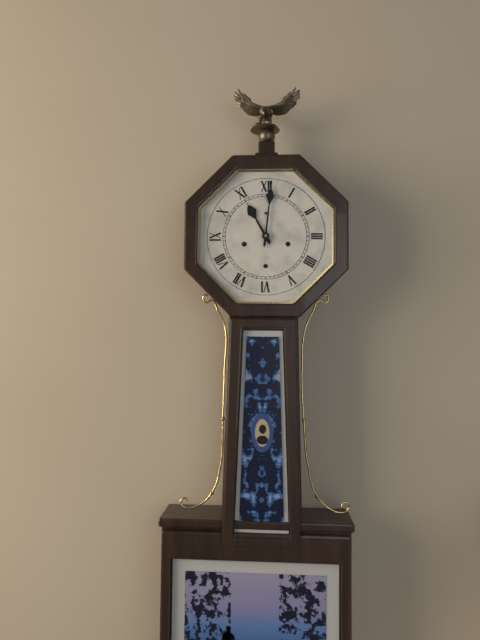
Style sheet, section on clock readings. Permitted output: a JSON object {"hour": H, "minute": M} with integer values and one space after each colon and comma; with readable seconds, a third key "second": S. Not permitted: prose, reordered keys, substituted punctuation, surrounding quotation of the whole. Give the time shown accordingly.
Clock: {"hour": 11, "minute": 1}
